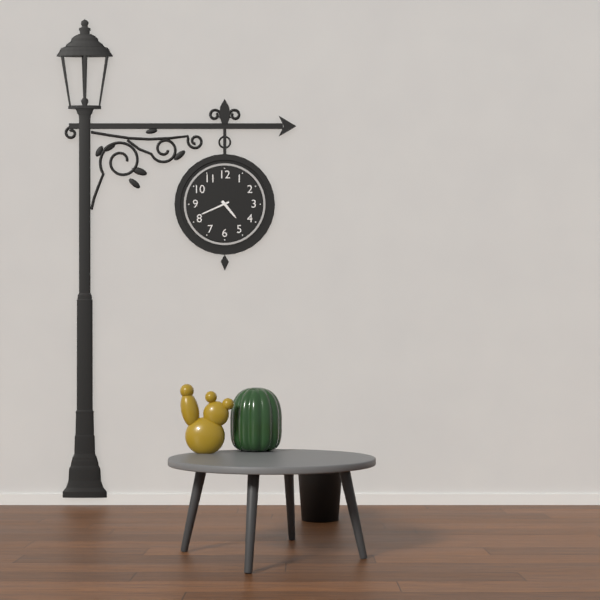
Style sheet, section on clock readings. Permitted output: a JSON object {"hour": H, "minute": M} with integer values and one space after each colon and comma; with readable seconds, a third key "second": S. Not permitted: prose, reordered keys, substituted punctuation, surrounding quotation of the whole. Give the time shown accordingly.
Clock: {"hour": 4, "minute": 41}
